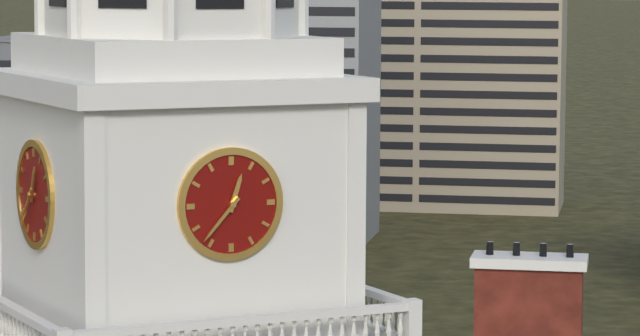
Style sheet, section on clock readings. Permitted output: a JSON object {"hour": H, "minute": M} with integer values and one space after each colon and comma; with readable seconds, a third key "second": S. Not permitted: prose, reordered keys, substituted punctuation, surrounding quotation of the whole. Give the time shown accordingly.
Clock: {"hour": 12, "minute": 37}
